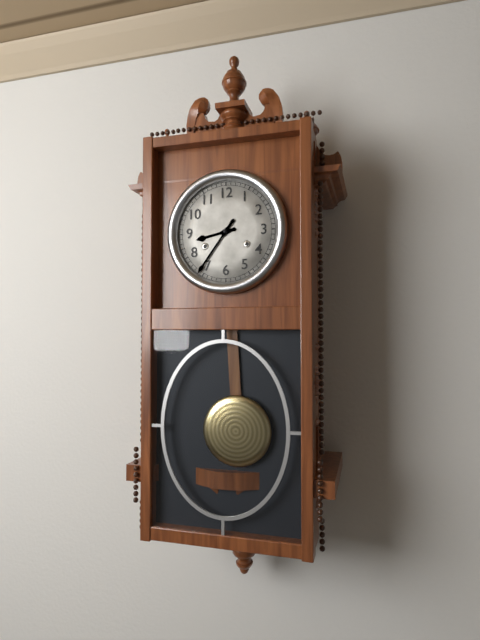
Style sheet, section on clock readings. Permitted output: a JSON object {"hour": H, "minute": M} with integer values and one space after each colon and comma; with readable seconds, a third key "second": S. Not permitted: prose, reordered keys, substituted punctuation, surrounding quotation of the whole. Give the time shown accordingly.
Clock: {"hour": 8, "minute": 36}
